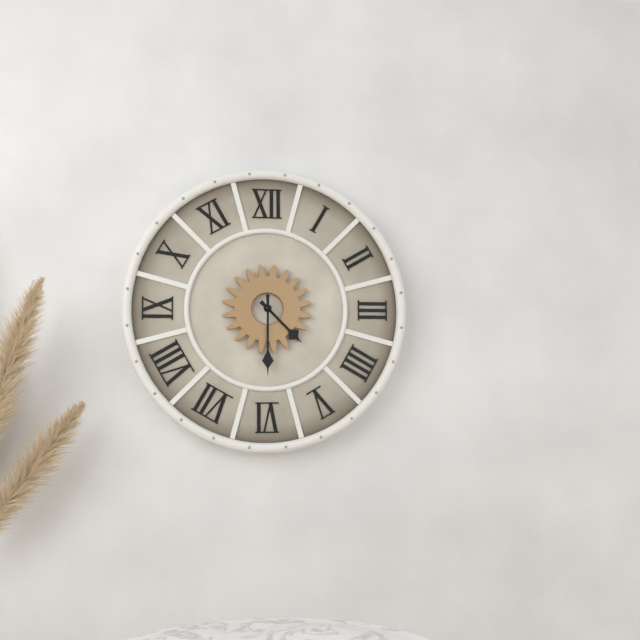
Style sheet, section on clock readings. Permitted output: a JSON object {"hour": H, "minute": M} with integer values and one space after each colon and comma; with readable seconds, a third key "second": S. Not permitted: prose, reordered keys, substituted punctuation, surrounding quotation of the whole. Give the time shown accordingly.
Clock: {"hour": 4, "minute": 30}
